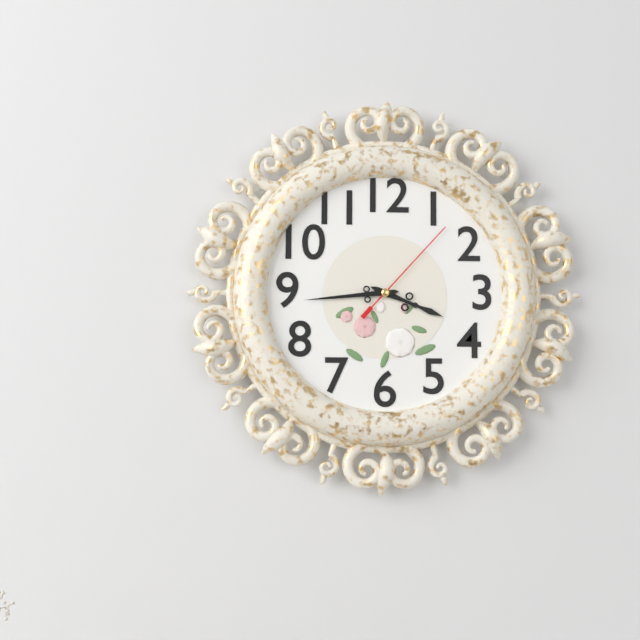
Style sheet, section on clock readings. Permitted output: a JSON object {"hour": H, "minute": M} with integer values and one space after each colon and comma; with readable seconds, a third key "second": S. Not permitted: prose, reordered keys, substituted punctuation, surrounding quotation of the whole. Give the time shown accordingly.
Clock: {"hour": 3, "minute": 44, "second": 7}
